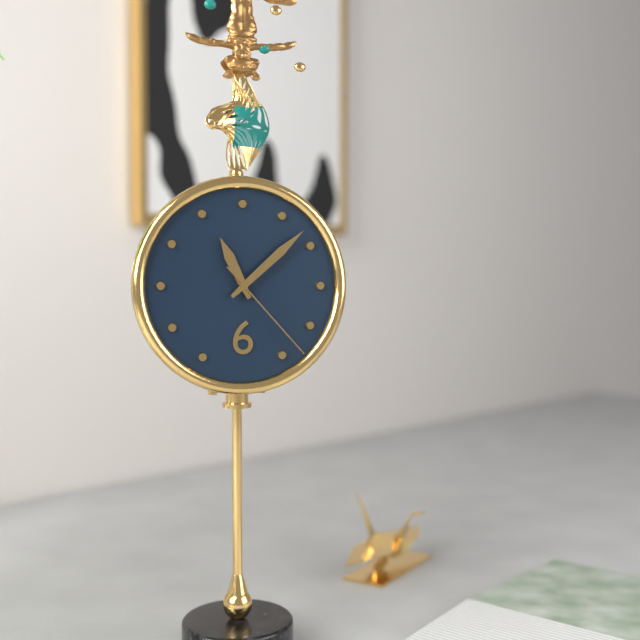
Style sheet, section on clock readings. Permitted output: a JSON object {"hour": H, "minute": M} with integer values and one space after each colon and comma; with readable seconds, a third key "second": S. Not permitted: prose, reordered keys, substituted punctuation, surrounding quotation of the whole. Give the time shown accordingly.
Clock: {"hour": 11, "minute": 8, "second": 23}
